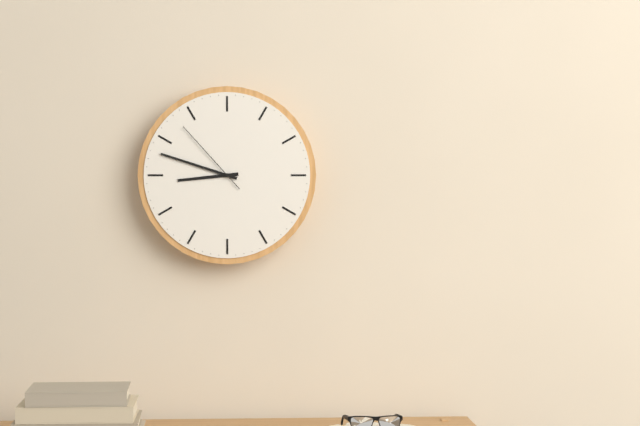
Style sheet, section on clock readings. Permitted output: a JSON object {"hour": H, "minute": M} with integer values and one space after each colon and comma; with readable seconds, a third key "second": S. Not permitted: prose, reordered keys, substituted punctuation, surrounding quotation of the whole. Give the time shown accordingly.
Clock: {"hour": 8, "minute": 48, "second": 53}
